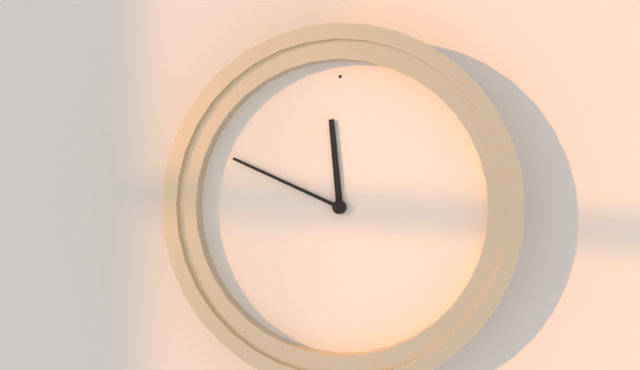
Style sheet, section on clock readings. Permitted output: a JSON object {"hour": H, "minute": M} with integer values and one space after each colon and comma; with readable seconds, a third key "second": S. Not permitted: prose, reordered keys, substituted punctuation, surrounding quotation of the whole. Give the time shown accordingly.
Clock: {"hour": 11, "minute": 49}
